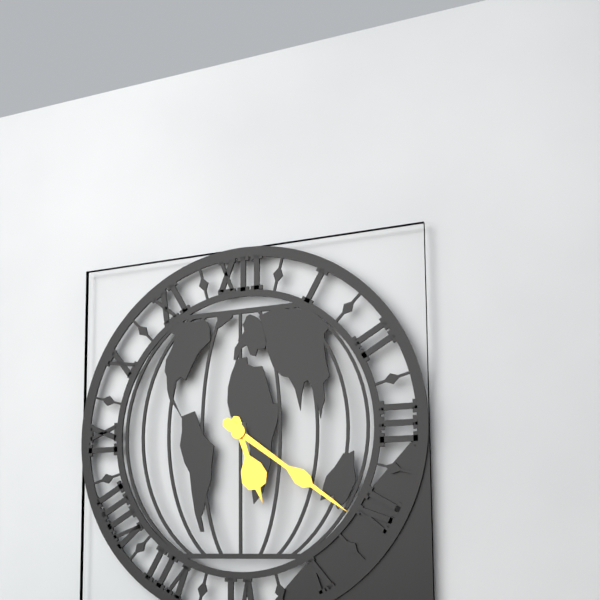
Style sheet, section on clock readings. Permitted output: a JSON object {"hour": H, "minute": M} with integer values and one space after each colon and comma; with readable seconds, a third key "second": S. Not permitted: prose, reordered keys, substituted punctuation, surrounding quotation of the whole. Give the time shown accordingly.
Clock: {"hour": 5, "minute": 21}
